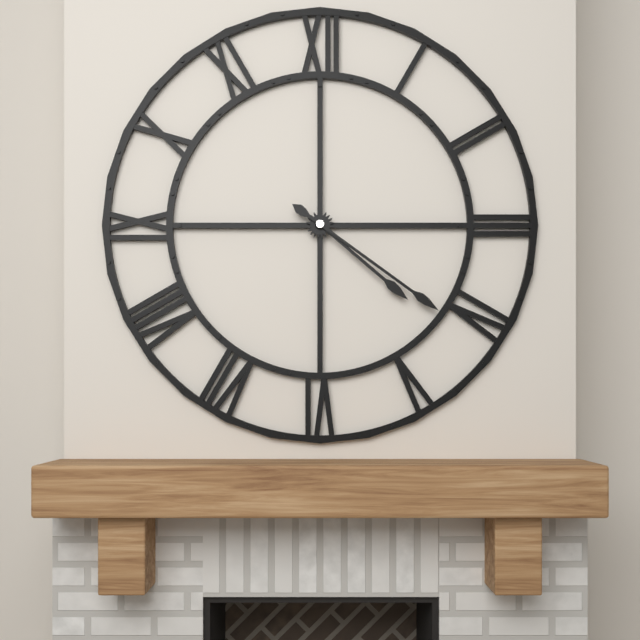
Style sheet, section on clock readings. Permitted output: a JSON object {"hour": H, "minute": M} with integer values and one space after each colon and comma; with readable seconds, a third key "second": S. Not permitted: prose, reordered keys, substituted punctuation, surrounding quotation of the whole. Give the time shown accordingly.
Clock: {"hour": 4, "minute": 21}
